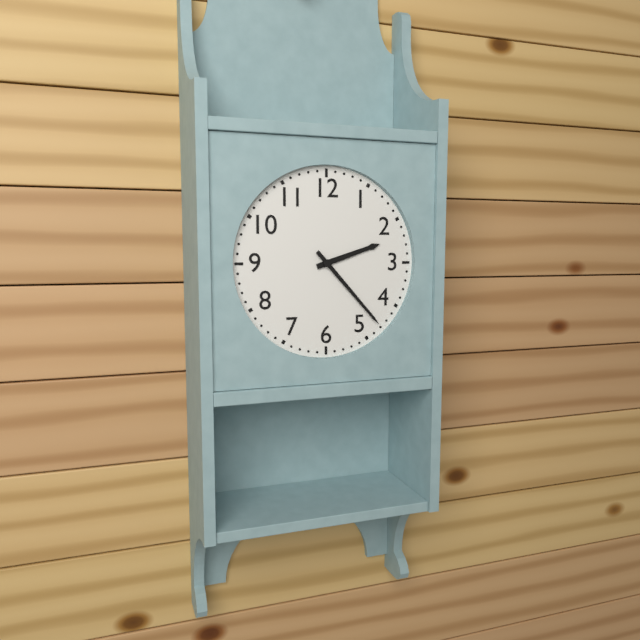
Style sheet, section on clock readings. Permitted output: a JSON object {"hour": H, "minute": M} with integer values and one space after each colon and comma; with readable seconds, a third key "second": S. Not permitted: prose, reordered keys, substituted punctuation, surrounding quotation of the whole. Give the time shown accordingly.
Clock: {"hour": 2, "minute": 23}
